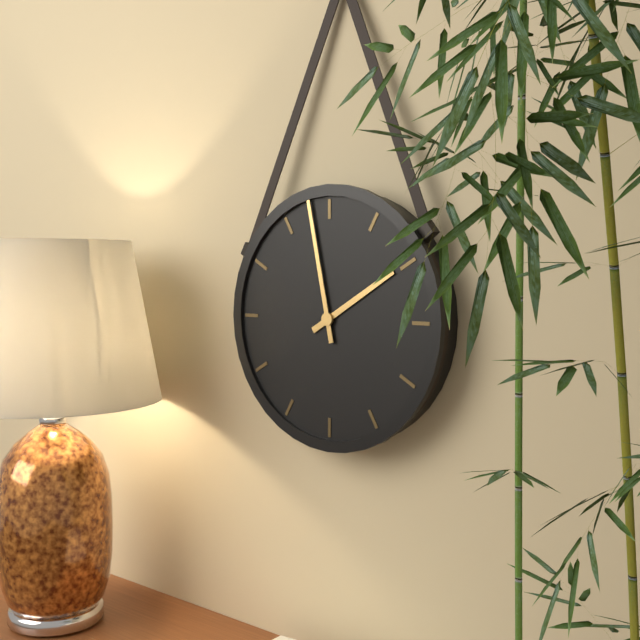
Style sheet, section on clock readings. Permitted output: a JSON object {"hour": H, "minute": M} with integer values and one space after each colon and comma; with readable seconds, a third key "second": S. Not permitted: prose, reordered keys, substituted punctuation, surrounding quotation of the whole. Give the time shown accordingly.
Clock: {"hour": 1, "minute": 58}
